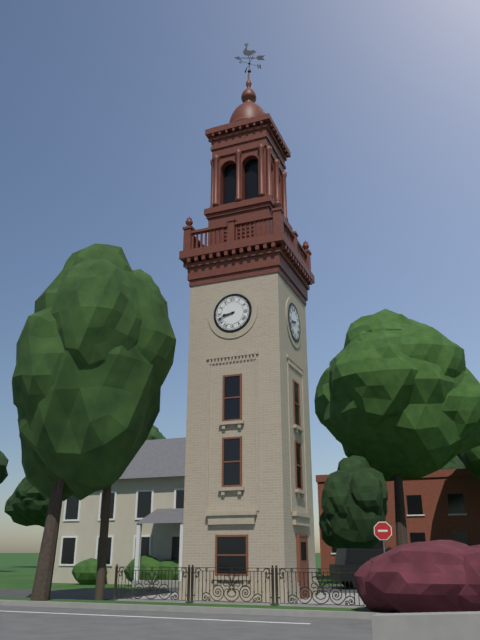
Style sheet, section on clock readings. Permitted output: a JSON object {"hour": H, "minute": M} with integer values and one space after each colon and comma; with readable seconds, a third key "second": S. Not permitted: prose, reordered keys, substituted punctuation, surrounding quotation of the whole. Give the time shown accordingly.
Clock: {"hour": 8, "minute": 42}
